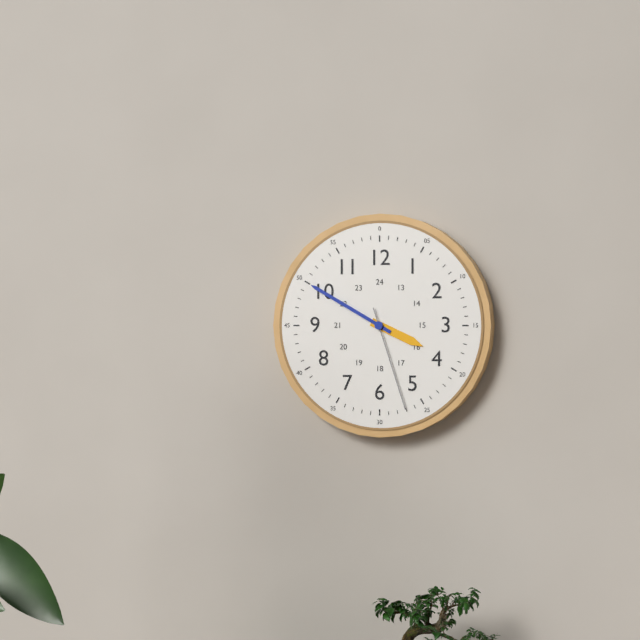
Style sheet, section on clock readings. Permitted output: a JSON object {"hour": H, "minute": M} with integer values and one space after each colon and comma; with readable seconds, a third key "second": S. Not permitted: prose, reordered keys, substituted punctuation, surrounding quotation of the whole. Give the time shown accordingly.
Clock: {"hour": 3, "minute": 50, "second": 27}
